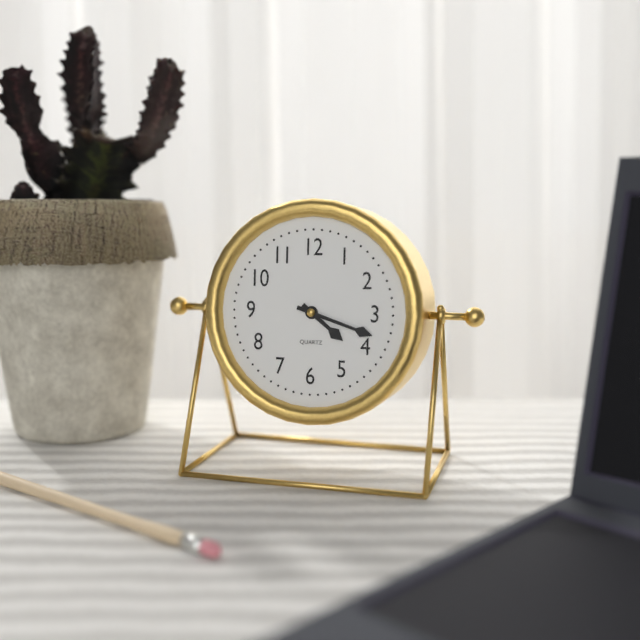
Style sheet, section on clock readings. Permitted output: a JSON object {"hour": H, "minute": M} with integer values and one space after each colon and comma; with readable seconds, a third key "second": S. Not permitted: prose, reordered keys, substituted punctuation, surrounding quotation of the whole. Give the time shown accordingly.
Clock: {"hour": 4, "minute": 18}
